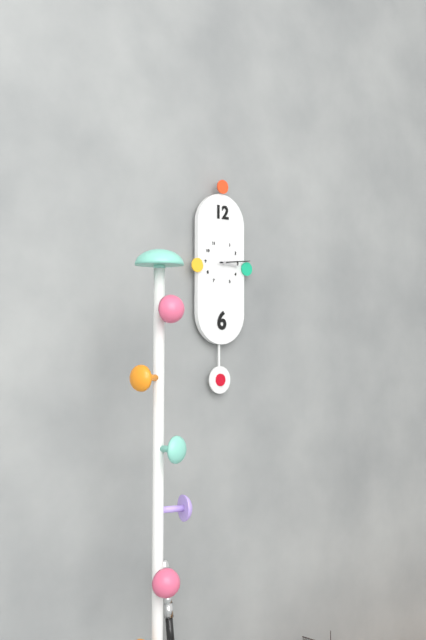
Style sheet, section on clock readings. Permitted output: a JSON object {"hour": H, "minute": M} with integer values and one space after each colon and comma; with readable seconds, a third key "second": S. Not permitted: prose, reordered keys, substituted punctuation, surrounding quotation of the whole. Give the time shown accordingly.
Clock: {"hour": 3, "minute": 14}
